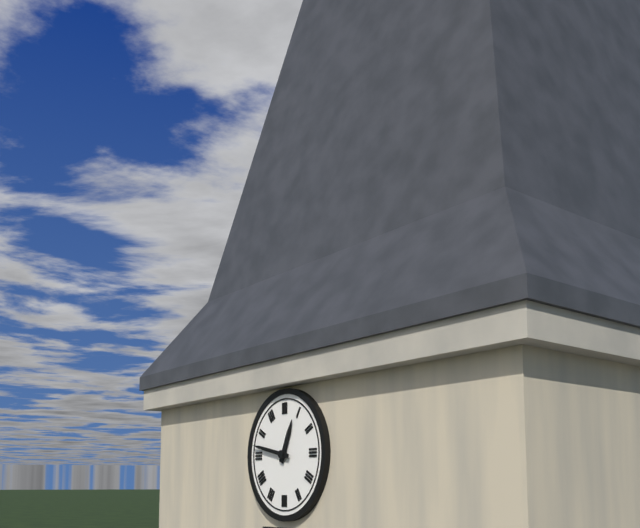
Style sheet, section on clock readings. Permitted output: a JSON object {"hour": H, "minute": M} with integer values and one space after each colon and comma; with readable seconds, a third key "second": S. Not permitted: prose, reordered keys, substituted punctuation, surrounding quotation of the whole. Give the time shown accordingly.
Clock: {"hour": 12, "minute": 47}
